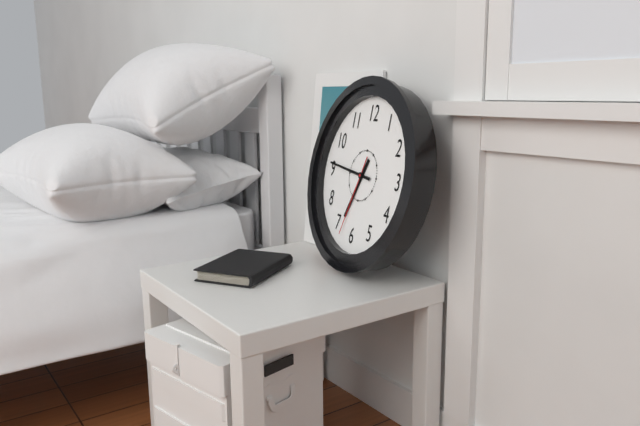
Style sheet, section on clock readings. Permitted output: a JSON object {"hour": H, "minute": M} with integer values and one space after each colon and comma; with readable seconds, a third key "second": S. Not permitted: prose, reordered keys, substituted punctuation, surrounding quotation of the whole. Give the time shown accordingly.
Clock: {"hour": 6, "minute": 46, "second": 33}
